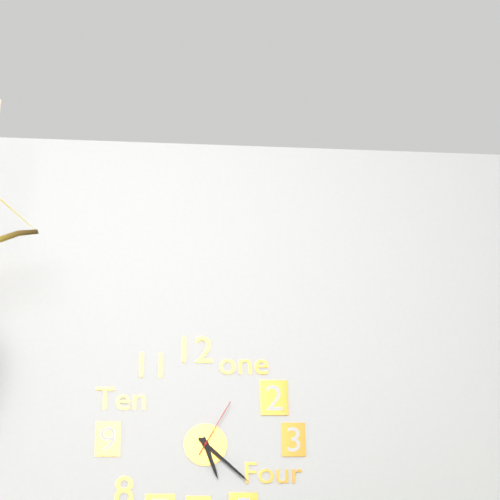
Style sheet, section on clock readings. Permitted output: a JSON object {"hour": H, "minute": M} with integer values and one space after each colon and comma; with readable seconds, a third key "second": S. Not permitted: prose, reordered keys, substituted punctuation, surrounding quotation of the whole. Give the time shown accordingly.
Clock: {"hour": 5, "minute": 22, "second": 5}
